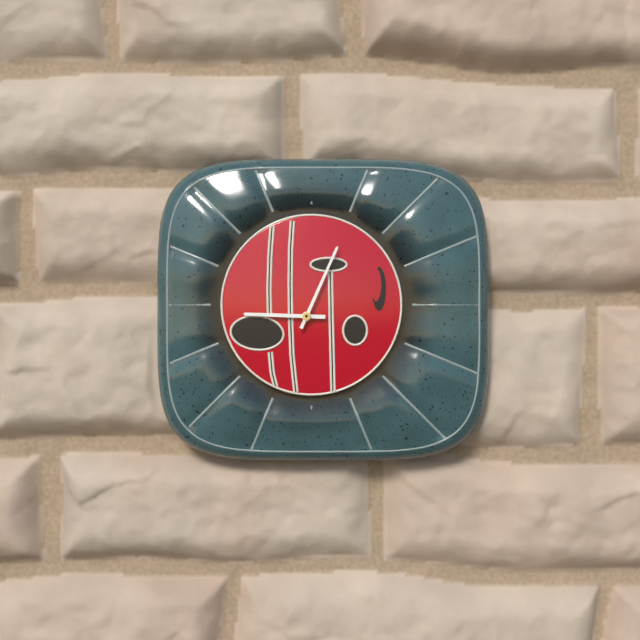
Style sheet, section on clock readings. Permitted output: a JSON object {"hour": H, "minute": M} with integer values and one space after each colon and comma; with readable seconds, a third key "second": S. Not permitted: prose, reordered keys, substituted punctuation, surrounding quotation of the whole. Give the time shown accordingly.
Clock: {"hour": 9, "minute": 4}
